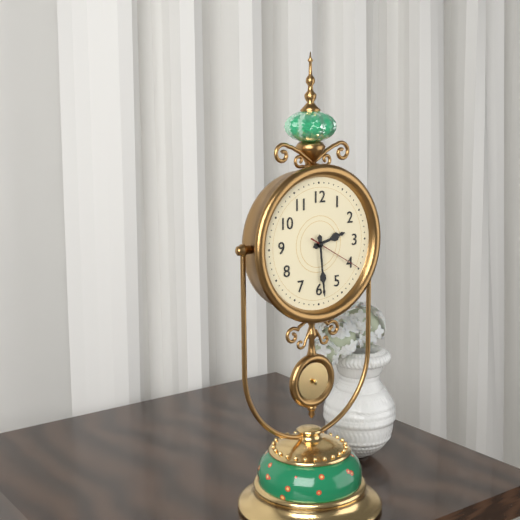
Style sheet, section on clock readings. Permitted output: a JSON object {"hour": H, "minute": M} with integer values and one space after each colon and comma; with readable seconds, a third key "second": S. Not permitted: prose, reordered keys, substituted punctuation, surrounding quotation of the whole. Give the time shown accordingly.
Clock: {"hour": 2, "minute": 29, "second": 20}
